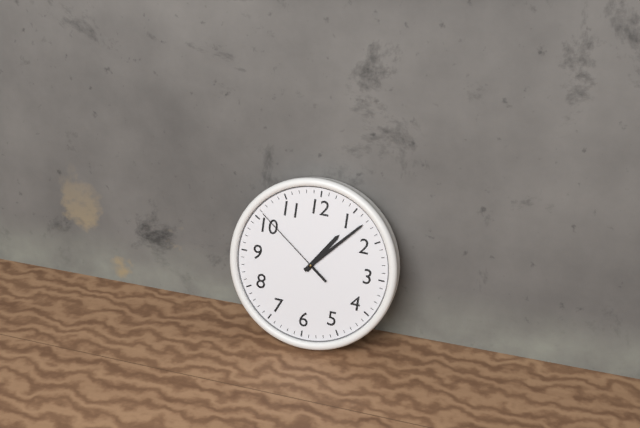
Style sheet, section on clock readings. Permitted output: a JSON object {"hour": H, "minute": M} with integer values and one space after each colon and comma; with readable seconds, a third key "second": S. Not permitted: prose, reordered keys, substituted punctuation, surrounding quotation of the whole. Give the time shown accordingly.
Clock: {"hour": 1, "minute": 7, "second": 51}
